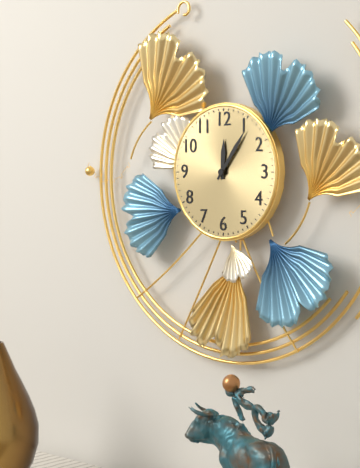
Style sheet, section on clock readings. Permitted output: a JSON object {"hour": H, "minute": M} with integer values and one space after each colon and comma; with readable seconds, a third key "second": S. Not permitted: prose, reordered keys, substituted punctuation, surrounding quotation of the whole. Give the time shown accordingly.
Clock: {"hour": 12, "minute": 6}
